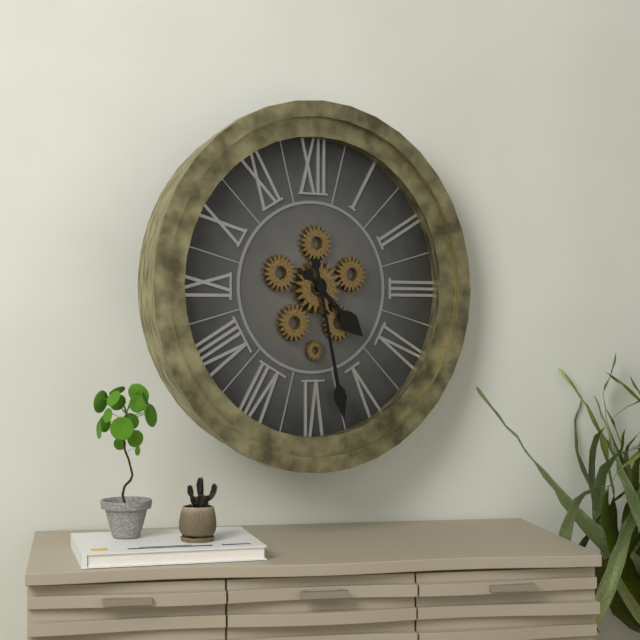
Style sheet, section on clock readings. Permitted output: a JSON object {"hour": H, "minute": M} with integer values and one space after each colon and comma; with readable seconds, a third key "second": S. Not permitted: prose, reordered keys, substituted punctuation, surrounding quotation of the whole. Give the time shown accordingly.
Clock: {"hour": 4, "minute": 28}
